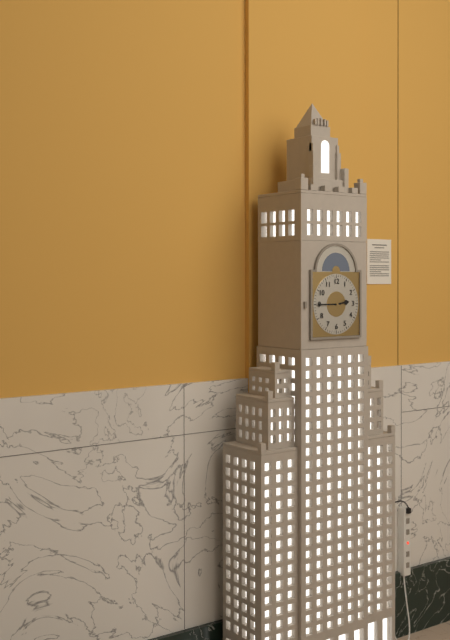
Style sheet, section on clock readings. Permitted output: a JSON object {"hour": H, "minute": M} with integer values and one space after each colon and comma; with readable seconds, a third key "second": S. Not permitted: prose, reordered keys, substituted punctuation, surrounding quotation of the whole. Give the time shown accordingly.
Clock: {"hour": 2, "minute": 45}
